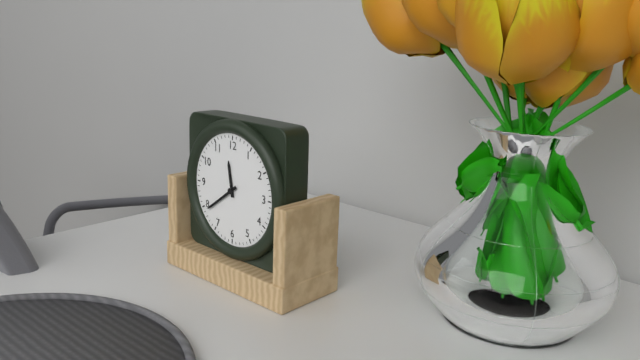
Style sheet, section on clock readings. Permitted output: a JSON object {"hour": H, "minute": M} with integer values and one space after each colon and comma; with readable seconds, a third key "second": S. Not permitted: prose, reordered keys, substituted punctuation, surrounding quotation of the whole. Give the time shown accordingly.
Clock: {"hour": 11, "minute": 39}
